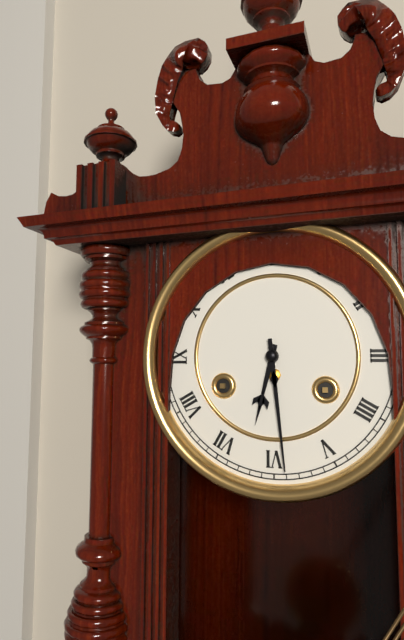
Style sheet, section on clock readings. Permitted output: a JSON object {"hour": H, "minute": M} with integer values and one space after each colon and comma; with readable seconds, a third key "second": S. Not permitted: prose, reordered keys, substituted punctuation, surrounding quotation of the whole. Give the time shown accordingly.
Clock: {"hour": 6, "minute": 29}
